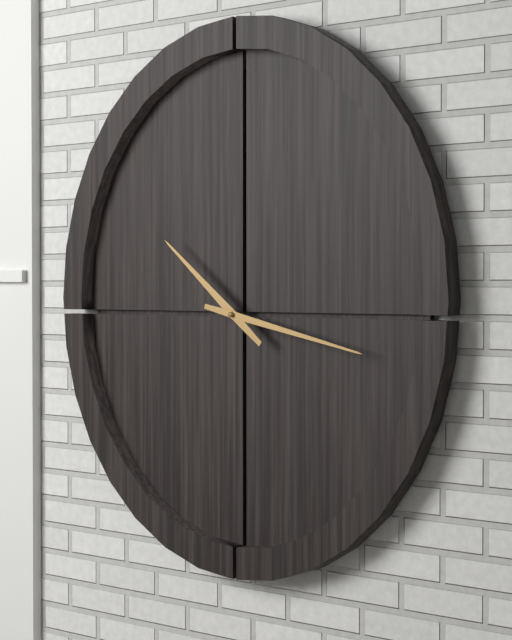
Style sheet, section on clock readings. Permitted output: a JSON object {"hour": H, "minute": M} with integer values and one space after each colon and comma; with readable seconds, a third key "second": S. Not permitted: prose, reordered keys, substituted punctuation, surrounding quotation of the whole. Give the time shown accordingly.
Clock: {"hour": 10, "minute": 17}
